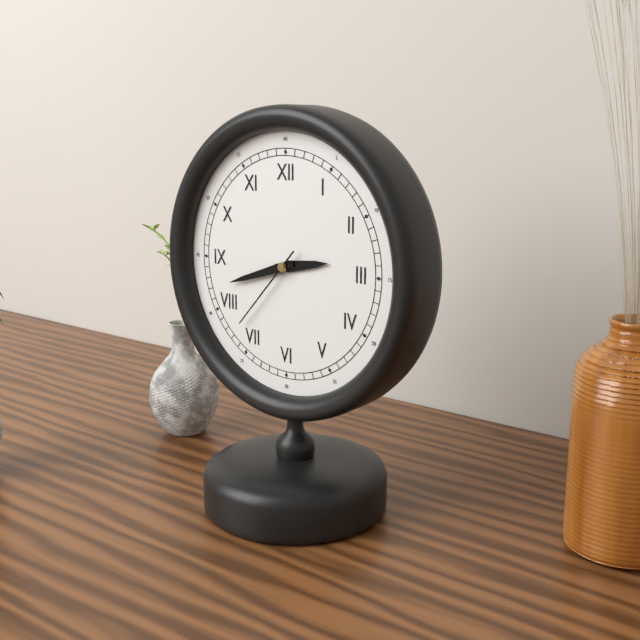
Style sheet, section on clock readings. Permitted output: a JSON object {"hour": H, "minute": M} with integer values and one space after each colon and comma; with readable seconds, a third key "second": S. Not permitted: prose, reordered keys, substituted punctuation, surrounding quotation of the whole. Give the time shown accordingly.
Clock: {"hour": 2, "minute": 42, "second": 37}
